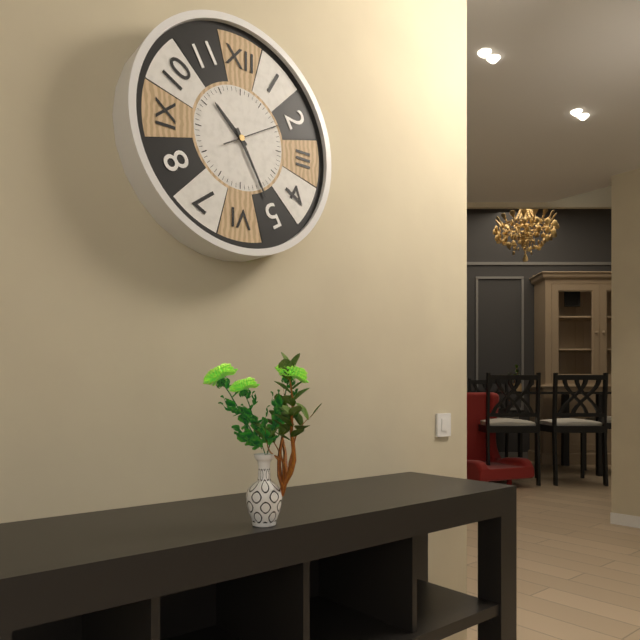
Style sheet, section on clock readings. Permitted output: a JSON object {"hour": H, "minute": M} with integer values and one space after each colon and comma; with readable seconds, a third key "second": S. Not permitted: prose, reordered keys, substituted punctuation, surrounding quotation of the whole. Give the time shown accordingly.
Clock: {"hour": 10, "minute": 25, "second": 10}
